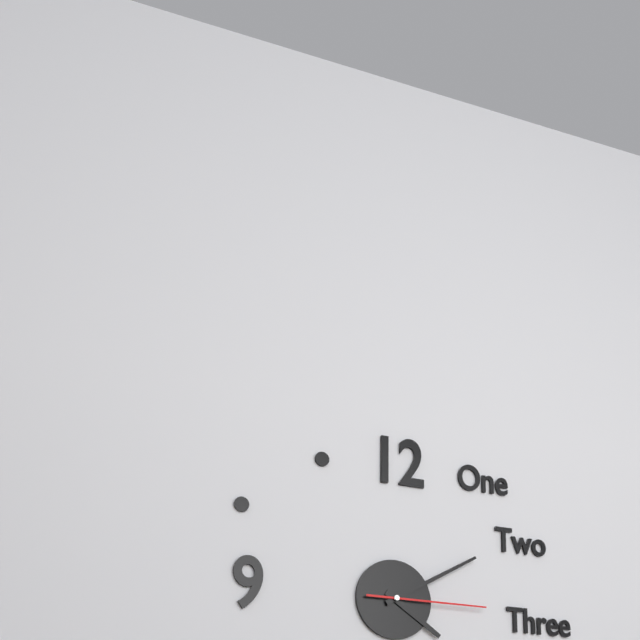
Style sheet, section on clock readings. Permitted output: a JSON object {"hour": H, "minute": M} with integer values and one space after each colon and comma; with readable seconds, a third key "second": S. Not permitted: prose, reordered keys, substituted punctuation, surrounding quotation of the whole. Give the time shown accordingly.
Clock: {"hour": 4, "minute": 10, "second": 15}
